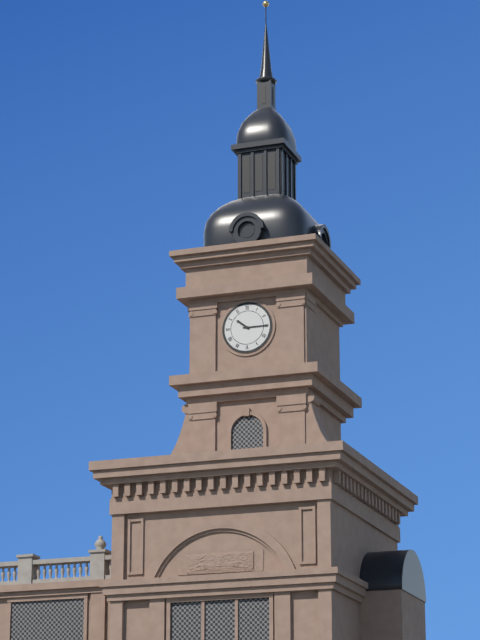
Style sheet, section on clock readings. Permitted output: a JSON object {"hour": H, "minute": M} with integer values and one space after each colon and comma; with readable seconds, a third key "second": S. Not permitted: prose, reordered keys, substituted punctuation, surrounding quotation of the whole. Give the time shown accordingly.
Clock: {"hour": 10, "minute": 15}
